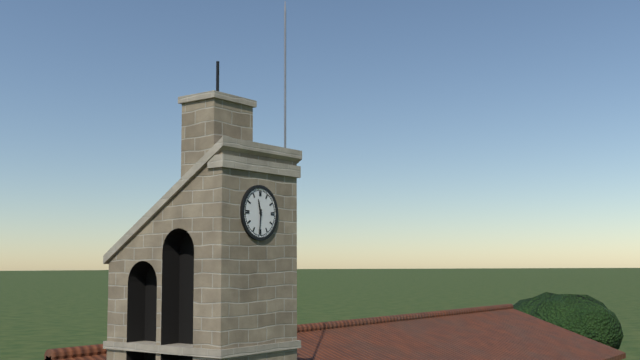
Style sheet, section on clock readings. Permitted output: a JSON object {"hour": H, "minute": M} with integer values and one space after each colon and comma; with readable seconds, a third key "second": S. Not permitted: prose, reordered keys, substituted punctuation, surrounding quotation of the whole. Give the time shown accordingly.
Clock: {"hour": 11, "minute": 31}
